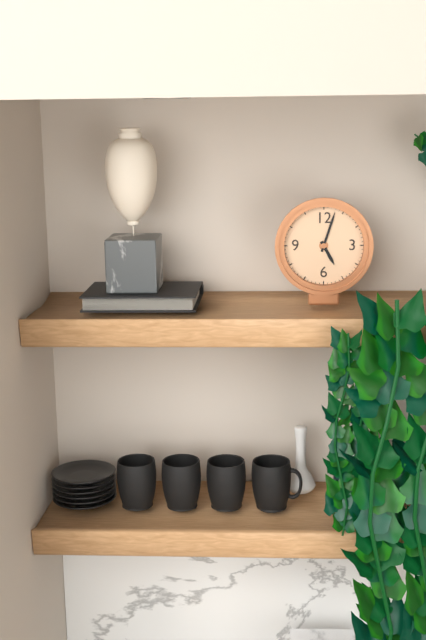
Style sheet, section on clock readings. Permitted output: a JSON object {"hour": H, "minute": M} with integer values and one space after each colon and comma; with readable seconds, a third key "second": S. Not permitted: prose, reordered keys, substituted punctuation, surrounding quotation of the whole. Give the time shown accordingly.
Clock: {"hour": 5, "minute": 3}
